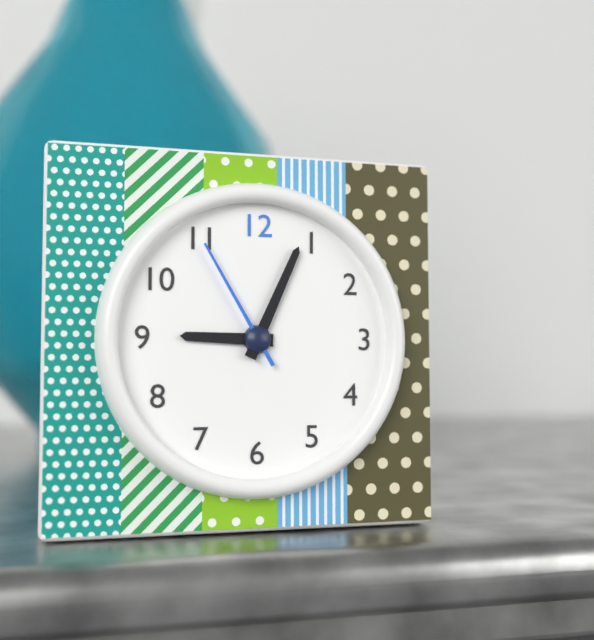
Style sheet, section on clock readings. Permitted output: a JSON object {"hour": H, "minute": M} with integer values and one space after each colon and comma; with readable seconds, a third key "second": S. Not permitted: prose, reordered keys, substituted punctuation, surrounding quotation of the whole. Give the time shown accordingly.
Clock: {"hour": 9, "minute": 4, "second": 55}
